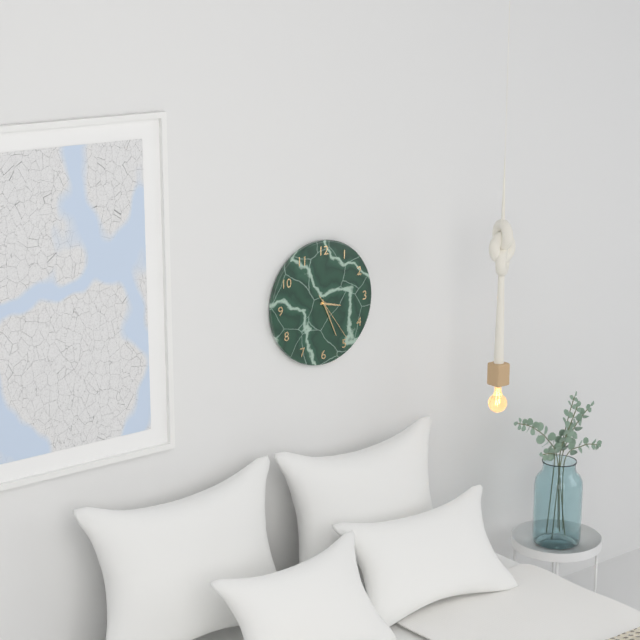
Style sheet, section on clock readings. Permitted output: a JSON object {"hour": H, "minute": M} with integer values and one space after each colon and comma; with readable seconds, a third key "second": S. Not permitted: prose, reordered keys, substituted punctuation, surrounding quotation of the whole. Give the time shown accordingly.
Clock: {"hour": 3, "minute": 26, "second": 24}
